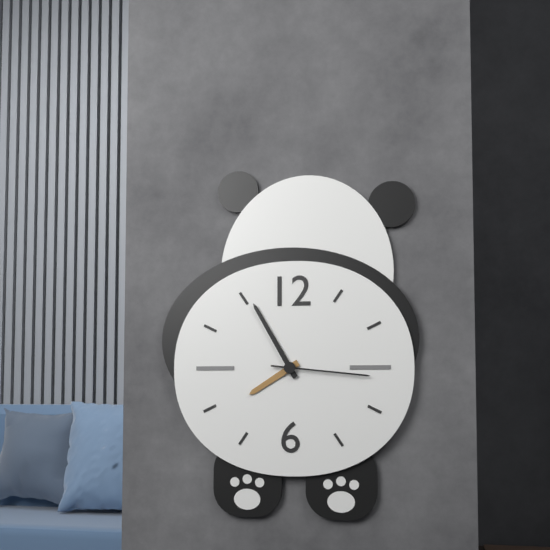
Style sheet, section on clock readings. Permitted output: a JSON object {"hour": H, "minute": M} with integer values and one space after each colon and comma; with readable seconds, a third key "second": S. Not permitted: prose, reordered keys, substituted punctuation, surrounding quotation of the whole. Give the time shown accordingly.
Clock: {"hour": 7, "minute": 55, "second": 16}
